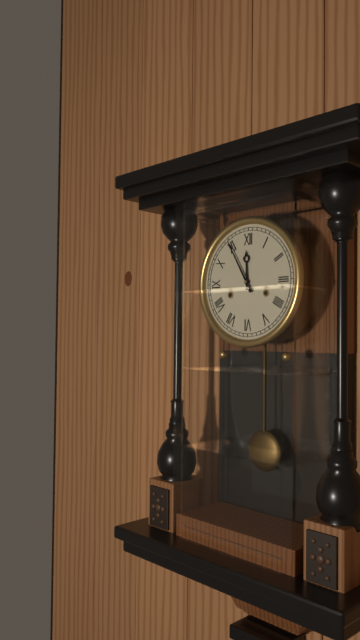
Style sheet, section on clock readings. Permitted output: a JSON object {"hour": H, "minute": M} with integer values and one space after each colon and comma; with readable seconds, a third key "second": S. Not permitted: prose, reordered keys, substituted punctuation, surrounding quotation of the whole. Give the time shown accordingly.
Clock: {"hour": 11, "minute": 55}
